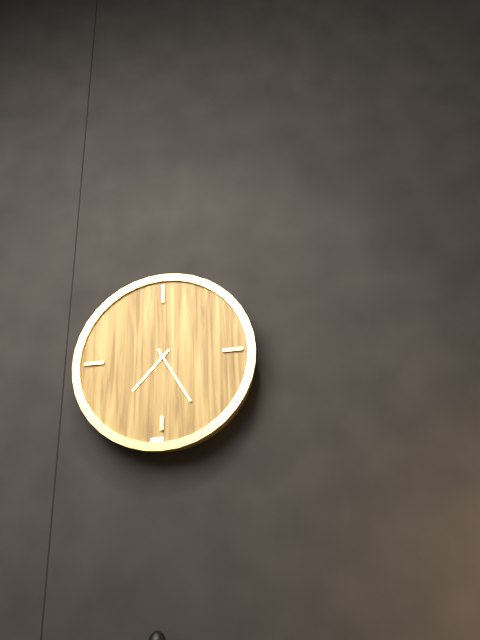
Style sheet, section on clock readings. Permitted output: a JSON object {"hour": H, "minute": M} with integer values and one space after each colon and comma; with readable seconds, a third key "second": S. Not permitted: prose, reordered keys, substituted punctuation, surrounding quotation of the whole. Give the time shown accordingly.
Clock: {"hour": 7, "minute": 25}
